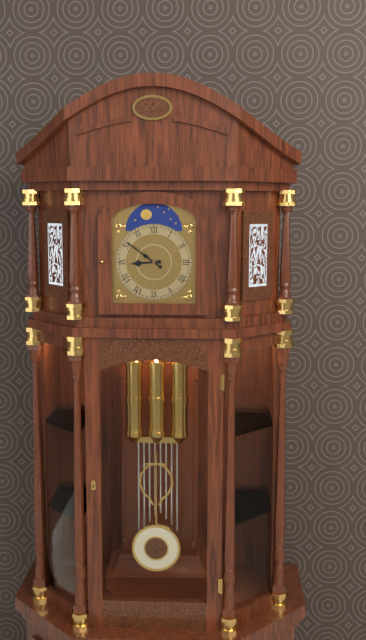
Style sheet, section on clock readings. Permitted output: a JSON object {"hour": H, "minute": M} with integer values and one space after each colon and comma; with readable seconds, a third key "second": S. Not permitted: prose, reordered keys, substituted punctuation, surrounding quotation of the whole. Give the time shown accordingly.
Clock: {"hour": 8, "minute": 51}
